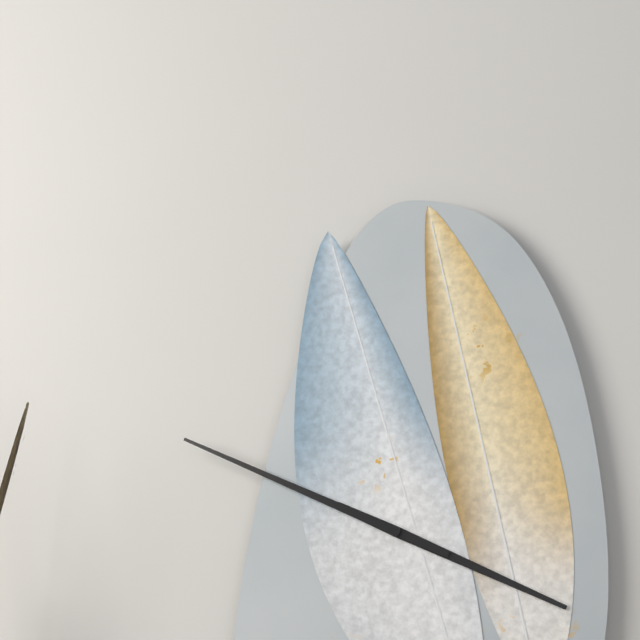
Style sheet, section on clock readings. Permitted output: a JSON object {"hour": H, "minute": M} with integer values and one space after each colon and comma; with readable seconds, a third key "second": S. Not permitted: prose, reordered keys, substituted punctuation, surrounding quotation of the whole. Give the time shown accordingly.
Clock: {"hour": 3, "minute": 49}
